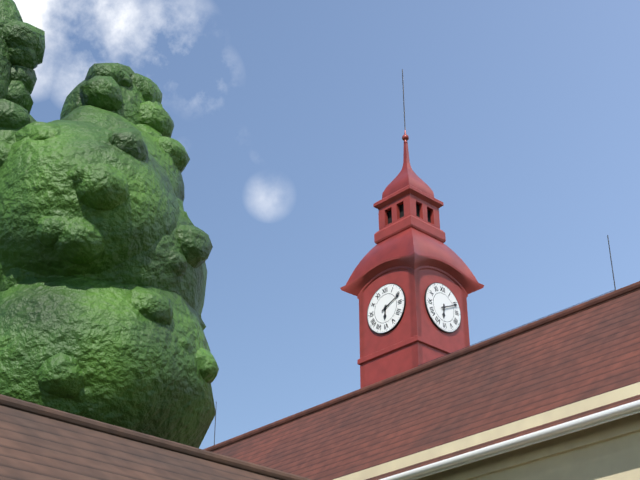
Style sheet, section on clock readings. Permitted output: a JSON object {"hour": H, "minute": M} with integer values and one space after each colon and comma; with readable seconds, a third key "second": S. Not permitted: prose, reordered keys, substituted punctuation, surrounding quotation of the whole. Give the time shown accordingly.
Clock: {"hour": 6, "minute": 11}
